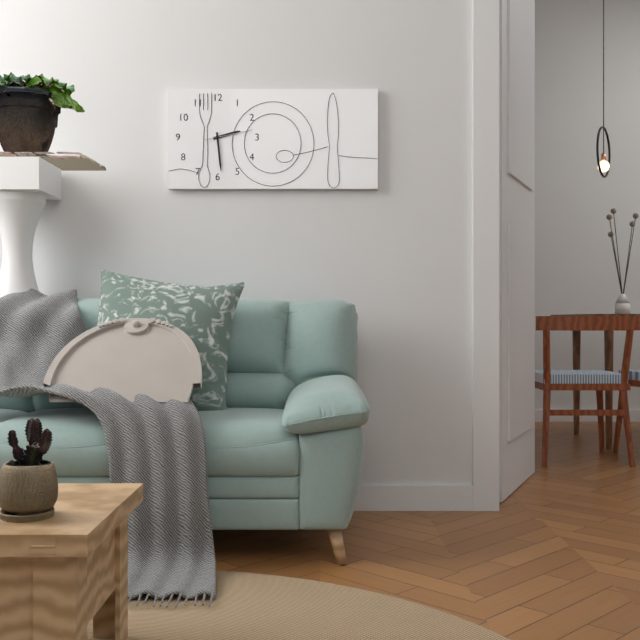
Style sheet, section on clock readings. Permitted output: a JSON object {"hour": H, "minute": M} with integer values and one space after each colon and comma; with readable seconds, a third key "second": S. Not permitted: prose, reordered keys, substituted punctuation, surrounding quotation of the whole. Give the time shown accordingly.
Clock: {"hour": 2, "minute": 29}
